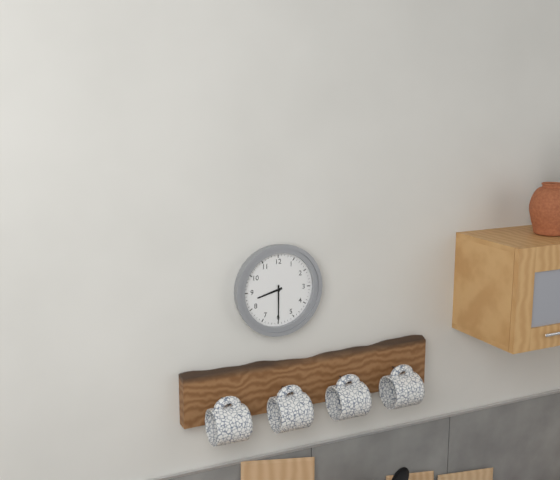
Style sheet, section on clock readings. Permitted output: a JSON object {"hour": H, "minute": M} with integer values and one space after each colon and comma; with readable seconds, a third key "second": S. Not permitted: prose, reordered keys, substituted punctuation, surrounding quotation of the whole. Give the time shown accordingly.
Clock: {"hour": 8, "minute": 30}
